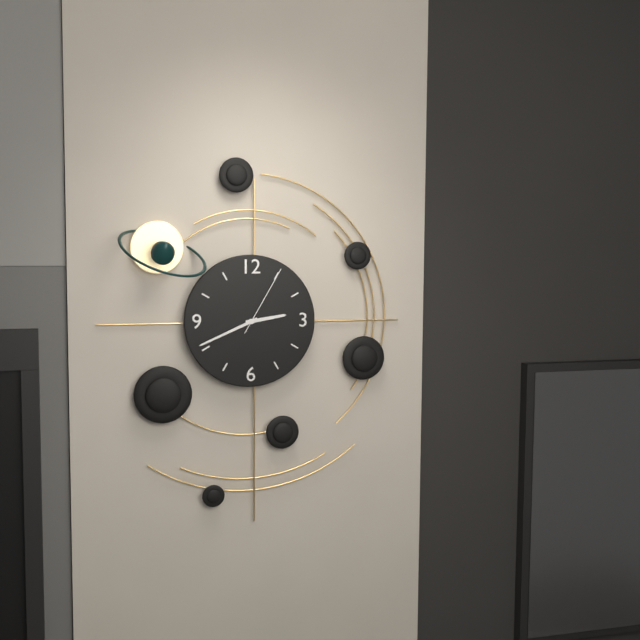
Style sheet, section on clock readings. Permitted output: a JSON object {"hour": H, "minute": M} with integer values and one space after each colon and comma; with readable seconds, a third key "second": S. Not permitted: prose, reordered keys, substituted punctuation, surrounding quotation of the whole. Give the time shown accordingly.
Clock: {"hour": 2, "minute": 41, "second": 5}
